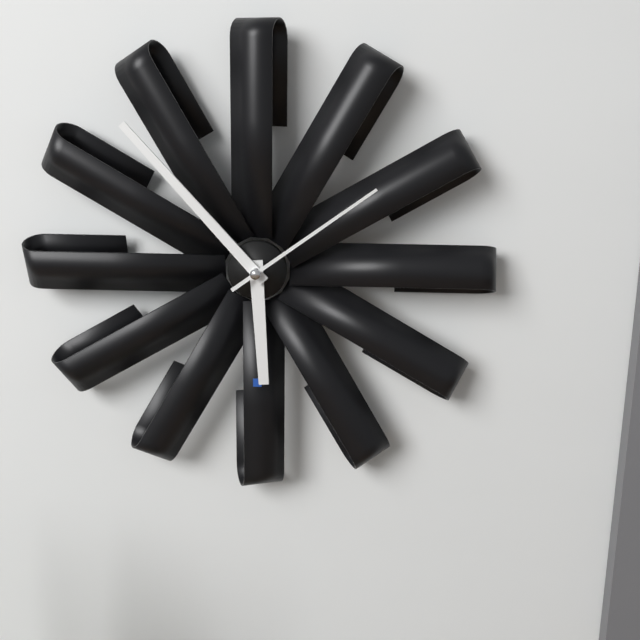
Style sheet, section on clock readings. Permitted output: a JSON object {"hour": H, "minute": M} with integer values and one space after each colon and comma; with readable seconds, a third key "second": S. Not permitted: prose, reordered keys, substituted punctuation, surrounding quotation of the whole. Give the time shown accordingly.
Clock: {"hour": 5, "minute": 53, "second": 9}
